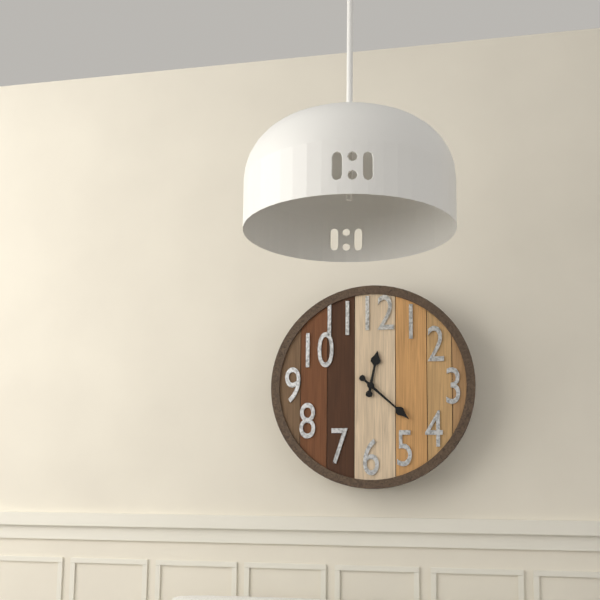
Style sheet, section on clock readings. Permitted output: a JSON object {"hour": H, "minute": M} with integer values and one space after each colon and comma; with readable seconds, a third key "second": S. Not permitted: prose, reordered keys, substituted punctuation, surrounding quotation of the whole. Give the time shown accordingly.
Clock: {"hour": 12, "minute": 22}
